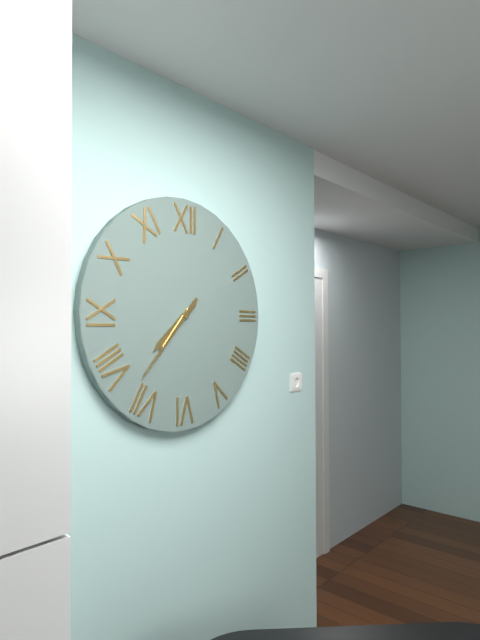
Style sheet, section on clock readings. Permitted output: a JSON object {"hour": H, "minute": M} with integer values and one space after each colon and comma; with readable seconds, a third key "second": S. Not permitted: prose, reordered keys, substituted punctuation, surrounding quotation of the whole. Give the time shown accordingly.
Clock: {"hour": 7, "minute": 37}
